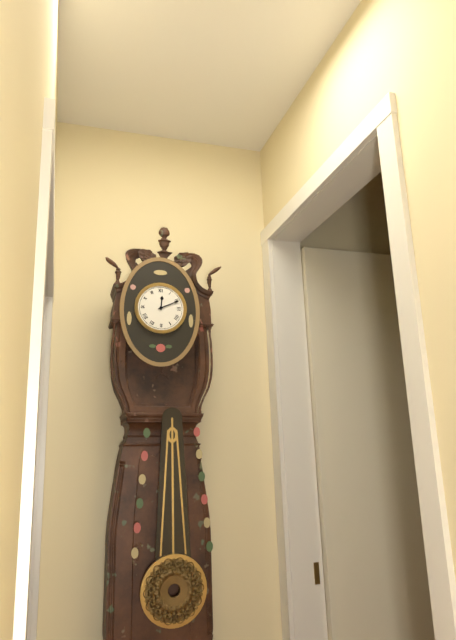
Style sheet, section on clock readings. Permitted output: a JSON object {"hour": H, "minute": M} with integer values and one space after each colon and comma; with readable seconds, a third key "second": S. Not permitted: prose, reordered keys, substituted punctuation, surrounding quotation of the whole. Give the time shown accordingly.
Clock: {"hour": 12, "minute": 11}
